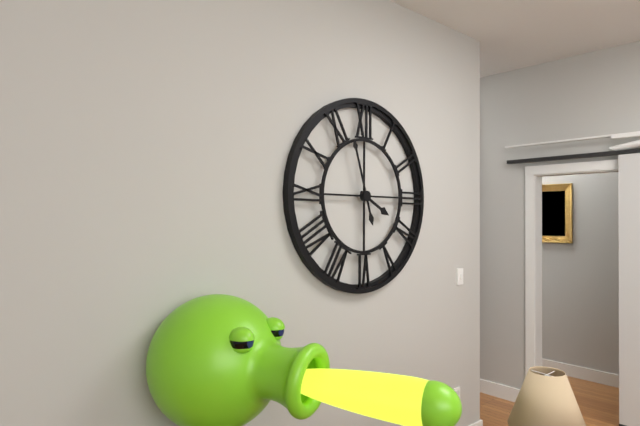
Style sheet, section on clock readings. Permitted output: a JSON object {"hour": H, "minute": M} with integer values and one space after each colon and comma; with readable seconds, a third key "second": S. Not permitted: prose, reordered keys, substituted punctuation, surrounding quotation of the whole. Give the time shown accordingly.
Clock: {"hour": 3, "minute": 57}
